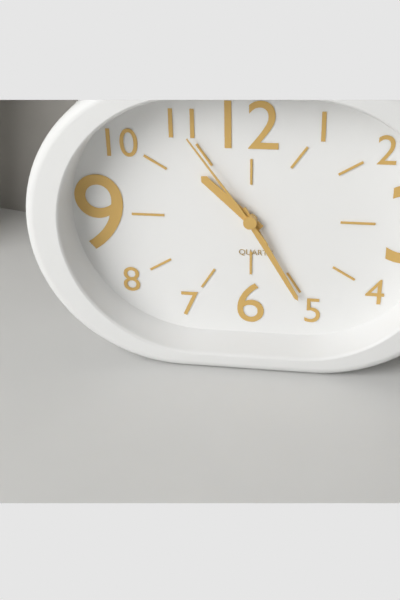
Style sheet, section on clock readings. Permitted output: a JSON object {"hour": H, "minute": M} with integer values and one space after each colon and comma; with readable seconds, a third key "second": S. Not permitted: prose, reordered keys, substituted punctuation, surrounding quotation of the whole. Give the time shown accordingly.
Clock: {"hour": 10, "minute": 25, "second": 54}
